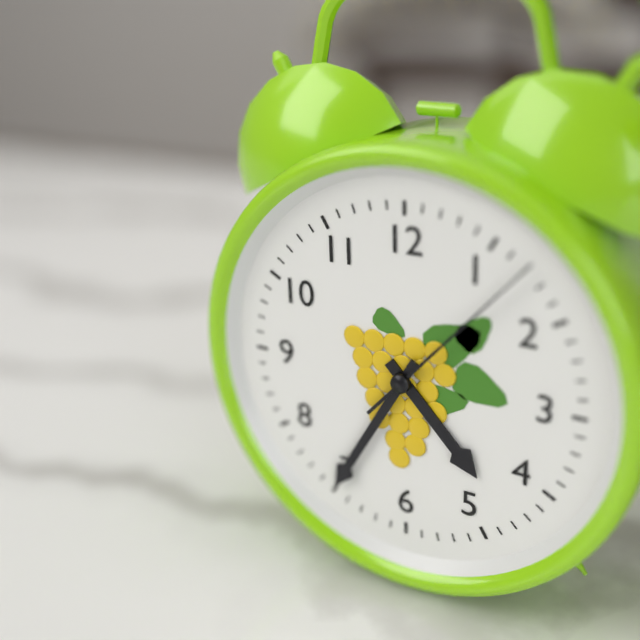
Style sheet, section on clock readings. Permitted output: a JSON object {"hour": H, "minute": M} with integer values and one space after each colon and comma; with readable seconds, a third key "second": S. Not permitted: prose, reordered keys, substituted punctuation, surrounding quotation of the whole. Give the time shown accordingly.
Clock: {"hour": 4, "minute": 35, "second": 7}
